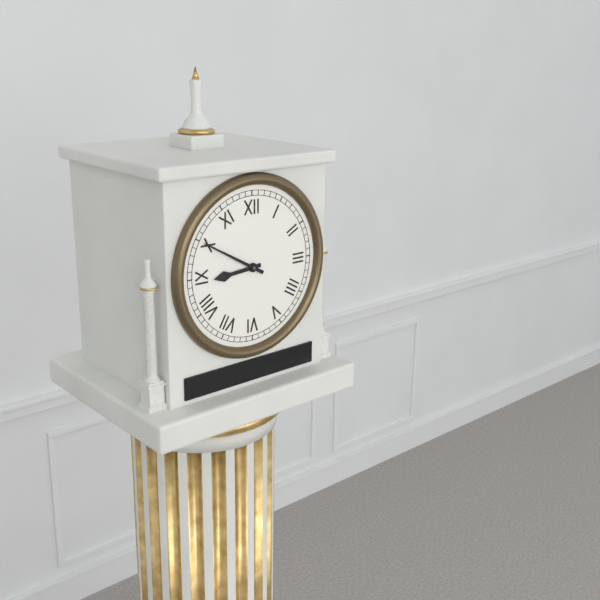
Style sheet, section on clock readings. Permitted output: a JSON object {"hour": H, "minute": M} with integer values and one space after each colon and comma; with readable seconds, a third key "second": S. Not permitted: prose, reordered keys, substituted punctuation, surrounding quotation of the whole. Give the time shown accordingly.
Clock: {"hour": 8, "minute": 50}
